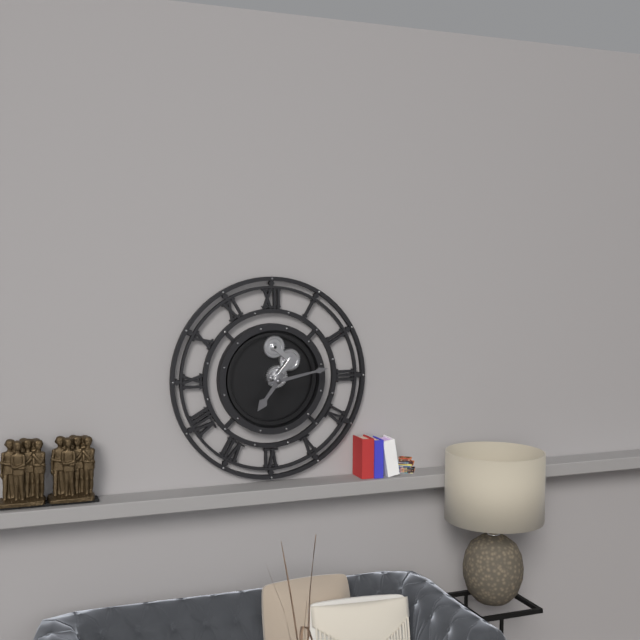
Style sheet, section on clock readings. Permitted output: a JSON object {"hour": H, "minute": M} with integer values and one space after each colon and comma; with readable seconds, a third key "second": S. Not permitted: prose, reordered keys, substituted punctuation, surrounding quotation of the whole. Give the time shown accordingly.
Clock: {"hour": 7, "minute": 13}
